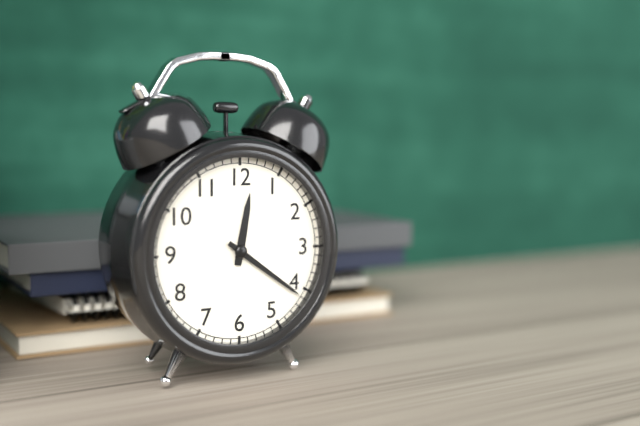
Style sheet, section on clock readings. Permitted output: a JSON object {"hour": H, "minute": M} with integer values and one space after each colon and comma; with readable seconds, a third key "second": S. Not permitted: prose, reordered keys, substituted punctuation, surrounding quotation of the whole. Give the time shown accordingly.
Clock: {"hour": 12, "minute": 21}
